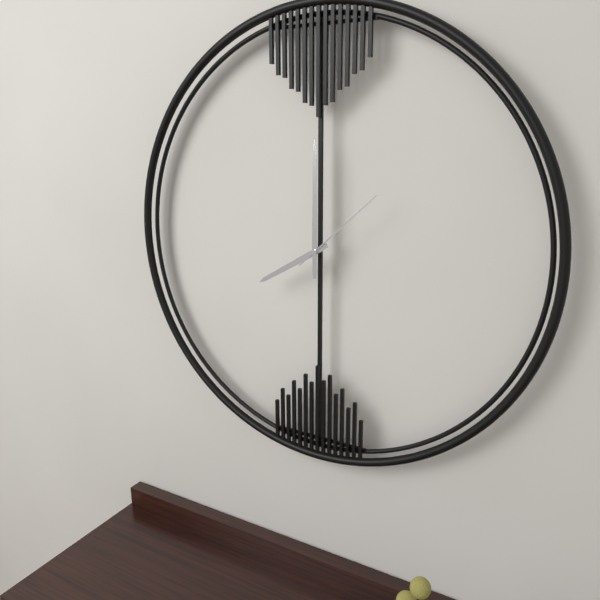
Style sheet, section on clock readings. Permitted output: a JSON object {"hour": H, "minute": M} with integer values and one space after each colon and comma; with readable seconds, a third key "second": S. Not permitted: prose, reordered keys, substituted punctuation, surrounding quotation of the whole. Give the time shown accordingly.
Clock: {"hour": 8, "minute": 0, "second": 8}
